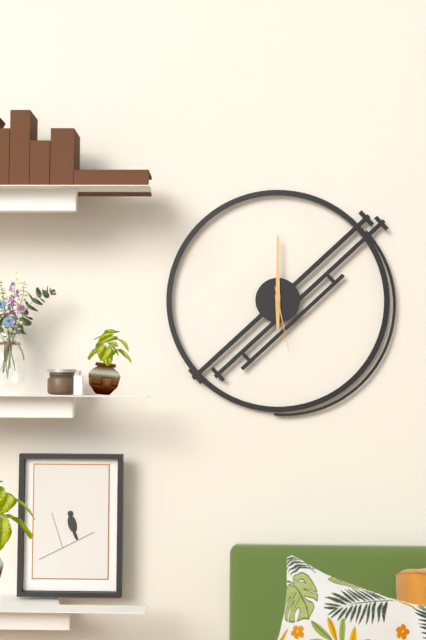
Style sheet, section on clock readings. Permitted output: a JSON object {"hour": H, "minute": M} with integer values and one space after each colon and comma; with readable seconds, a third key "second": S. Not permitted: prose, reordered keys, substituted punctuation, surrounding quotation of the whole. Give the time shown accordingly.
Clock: {"hour": 6, "minute": 0, "second": 28}
